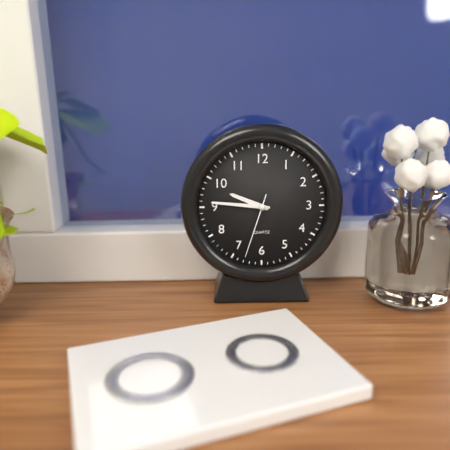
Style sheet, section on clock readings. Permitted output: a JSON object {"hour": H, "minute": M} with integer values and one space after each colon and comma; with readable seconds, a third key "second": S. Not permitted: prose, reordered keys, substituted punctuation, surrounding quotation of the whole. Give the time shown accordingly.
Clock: {"hour": 9, "minute": 46, "second": 33}
